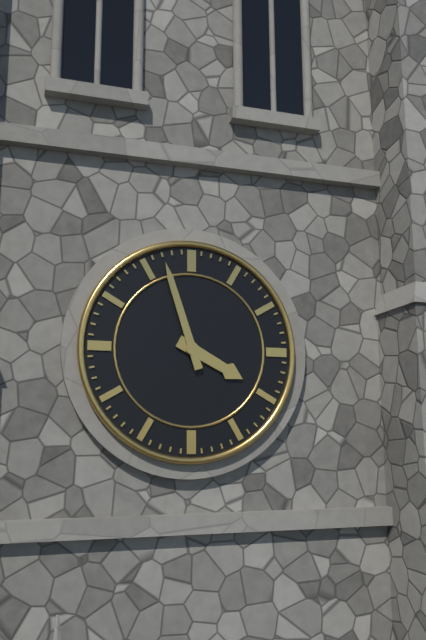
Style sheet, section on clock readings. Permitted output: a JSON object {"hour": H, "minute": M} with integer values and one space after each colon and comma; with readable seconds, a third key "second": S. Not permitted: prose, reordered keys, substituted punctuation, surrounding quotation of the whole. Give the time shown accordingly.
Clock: {"hour": 3, "minute": 57}
